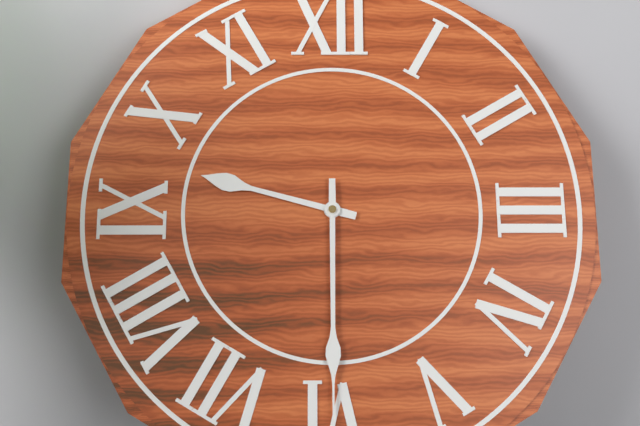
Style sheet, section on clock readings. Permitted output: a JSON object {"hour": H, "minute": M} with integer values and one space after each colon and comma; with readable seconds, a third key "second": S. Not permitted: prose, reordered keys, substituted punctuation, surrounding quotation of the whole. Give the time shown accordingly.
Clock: {"hour": 9, "minute": 30}
